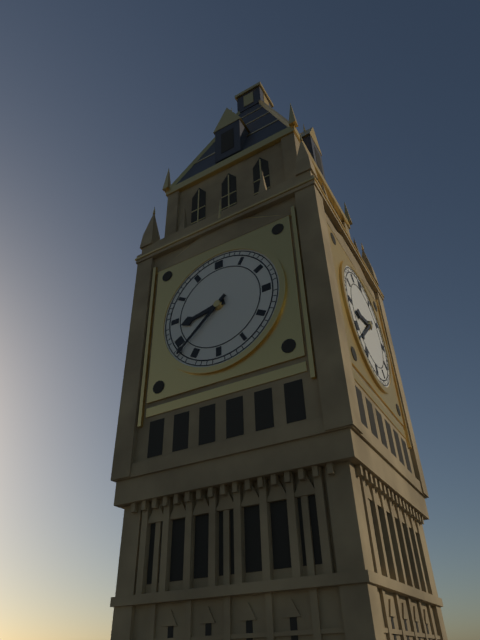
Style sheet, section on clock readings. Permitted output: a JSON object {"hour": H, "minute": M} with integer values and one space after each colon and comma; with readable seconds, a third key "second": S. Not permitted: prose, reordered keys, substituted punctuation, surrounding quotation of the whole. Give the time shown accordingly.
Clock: {"hour": 8, "minute": 38}
